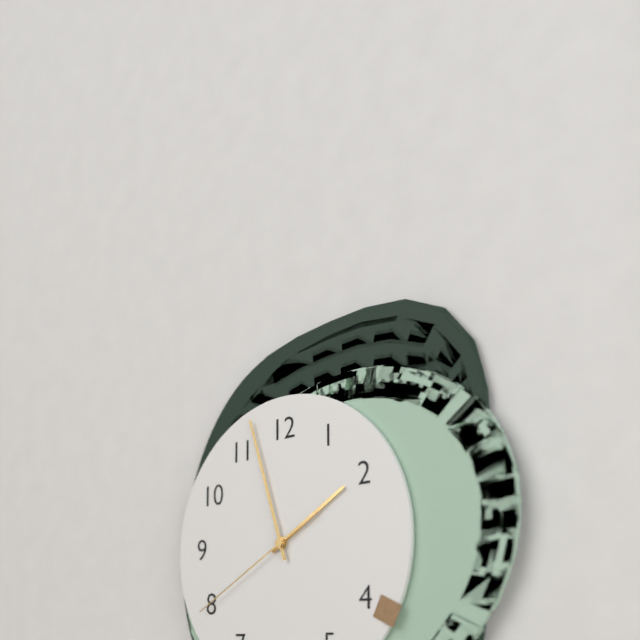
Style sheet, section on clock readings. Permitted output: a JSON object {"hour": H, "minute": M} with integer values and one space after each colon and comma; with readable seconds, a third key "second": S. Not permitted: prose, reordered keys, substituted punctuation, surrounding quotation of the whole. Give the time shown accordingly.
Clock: {"hour": 1, "minute": 57, "second": 40}
